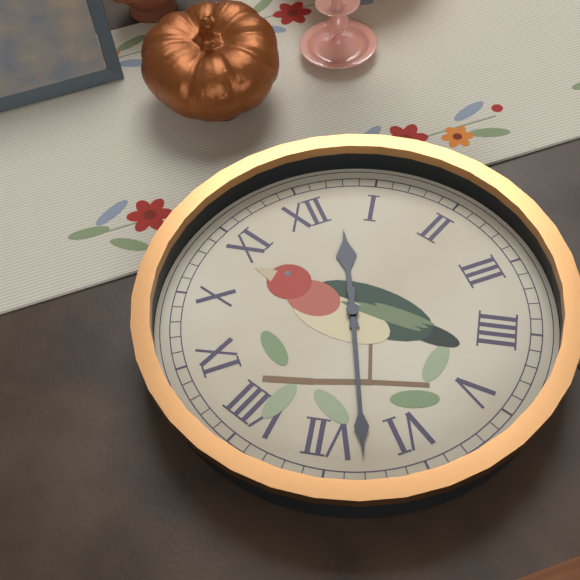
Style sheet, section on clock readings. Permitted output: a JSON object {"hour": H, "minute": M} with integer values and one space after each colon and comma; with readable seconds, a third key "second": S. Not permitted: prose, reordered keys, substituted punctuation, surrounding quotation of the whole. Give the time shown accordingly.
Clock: {"hour": 12, "minute": 33}
